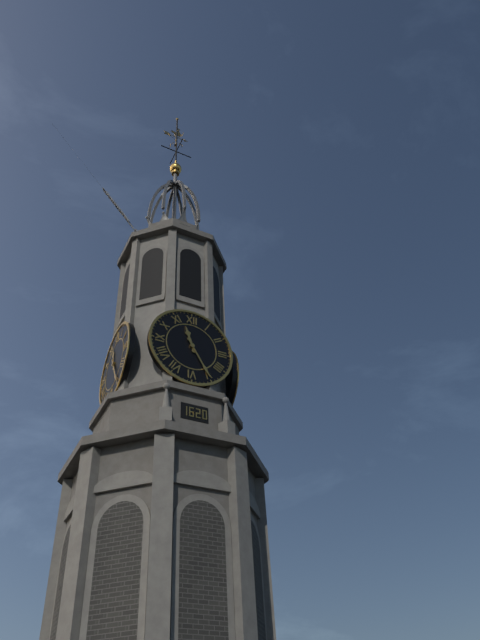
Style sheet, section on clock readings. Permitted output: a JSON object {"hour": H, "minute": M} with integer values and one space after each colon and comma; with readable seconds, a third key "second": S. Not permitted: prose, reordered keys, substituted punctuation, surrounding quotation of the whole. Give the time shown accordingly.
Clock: {"hour": 11, "minute": 25}
